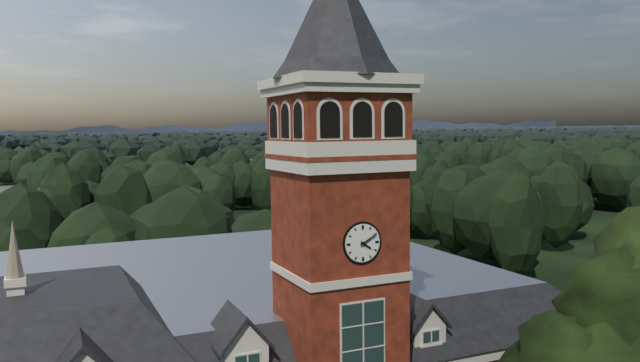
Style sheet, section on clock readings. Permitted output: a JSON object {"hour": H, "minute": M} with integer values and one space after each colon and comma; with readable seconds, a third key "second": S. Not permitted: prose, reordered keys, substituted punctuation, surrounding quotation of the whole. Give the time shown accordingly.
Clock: {"hour": 4, "minute": 10}
